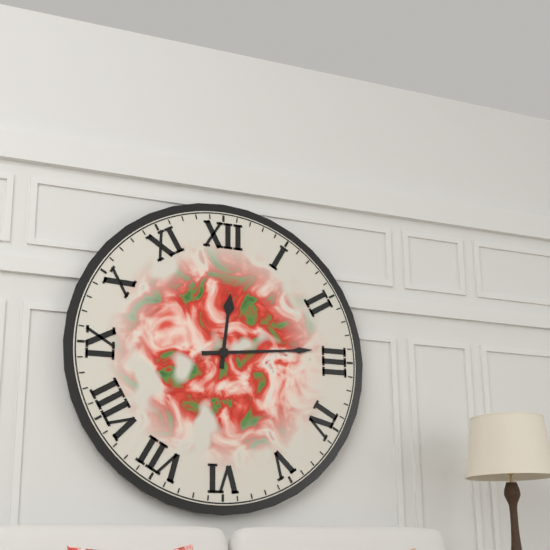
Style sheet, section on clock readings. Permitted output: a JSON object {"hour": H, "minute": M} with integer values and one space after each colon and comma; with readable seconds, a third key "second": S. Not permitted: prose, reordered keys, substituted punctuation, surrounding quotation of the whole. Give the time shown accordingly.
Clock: {"hour": 12, "minute": 14}
